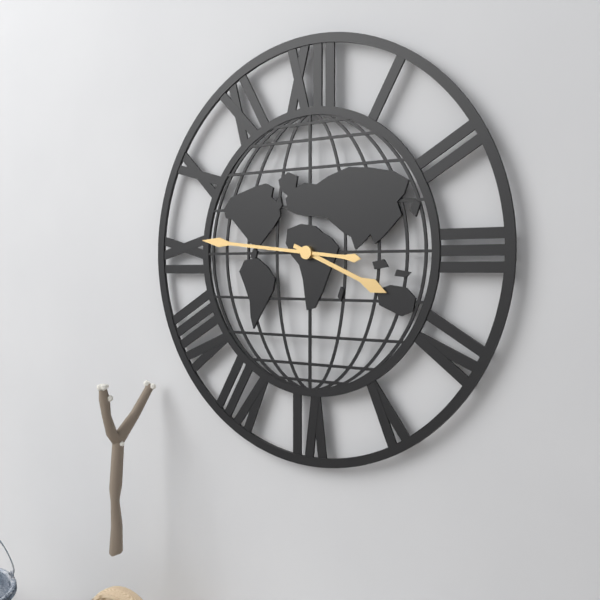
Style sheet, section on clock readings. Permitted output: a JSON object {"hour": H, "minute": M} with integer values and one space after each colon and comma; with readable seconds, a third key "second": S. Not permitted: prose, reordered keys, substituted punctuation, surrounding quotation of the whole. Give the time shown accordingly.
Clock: {"hour": 3, "minute": 46}
